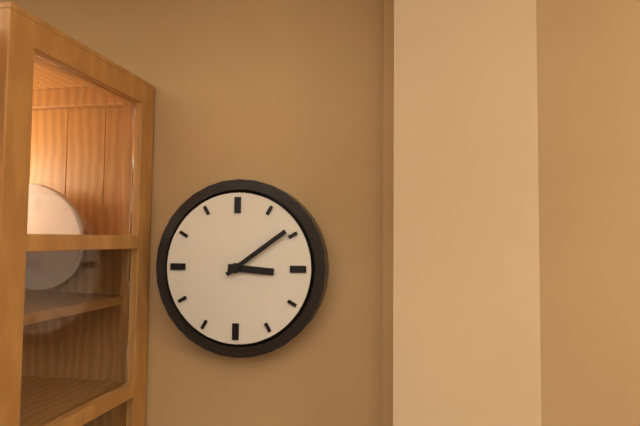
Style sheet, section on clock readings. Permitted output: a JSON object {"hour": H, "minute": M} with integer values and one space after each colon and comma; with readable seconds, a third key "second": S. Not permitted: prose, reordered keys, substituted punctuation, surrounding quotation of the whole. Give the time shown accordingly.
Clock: {"hour": 3, "minute": 9}
